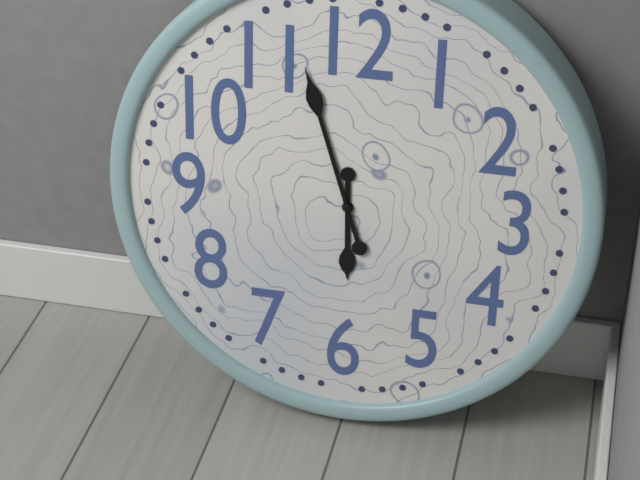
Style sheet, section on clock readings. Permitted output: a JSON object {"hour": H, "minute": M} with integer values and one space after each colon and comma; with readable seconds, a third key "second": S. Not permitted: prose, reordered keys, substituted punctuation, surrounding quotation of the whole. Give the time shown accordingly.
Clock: {"hour": 5, "minute": 57}
